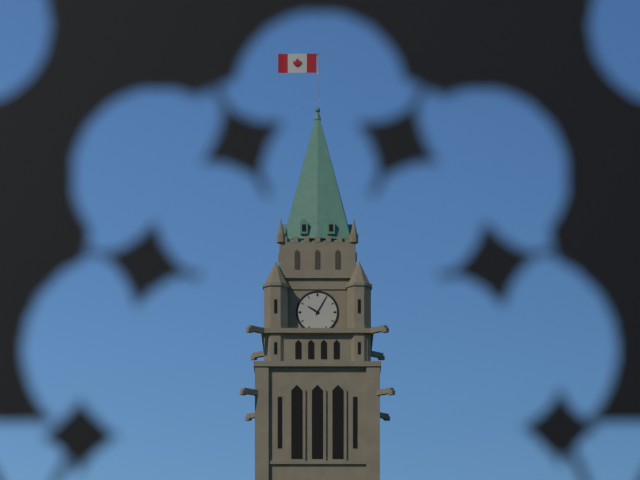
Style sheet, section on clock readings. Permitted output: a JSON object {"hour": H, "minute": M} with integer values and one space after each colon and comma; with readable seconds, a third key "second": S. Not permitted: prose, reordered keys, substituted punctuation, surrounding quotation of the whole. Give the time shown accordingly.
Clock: {"hour": 10, "minute": 5}
